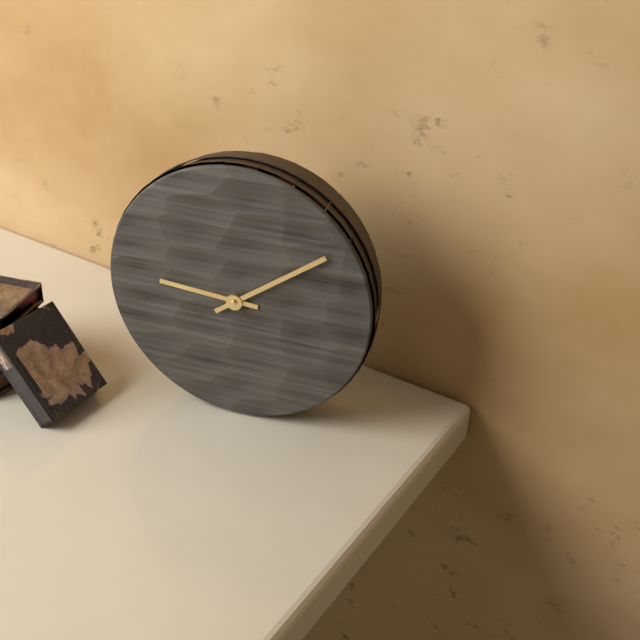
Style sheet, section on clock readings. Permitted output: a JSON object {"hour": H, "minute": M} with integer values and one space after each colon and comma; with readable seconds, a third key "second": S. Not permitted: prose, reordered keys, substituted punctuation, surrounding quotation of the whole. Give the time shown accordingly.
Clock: {"hour": 9, "minute": 9}
